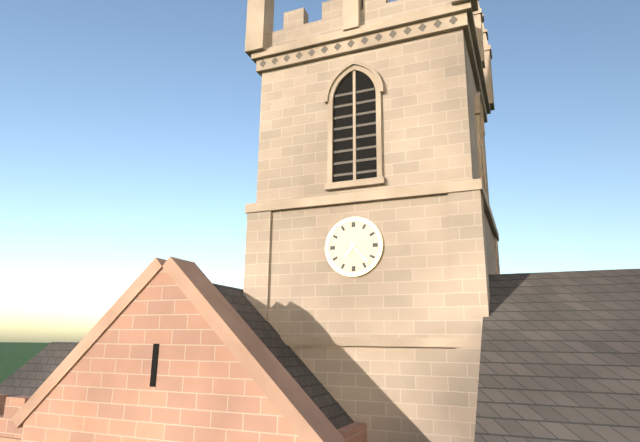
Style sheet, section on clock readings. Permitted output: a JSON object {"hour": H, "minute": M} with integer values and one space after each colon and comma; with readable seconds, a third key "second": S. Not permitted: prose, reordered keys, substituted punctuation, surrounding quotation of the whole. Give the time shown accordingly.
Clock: {"hour": 7, "minute": 23}
